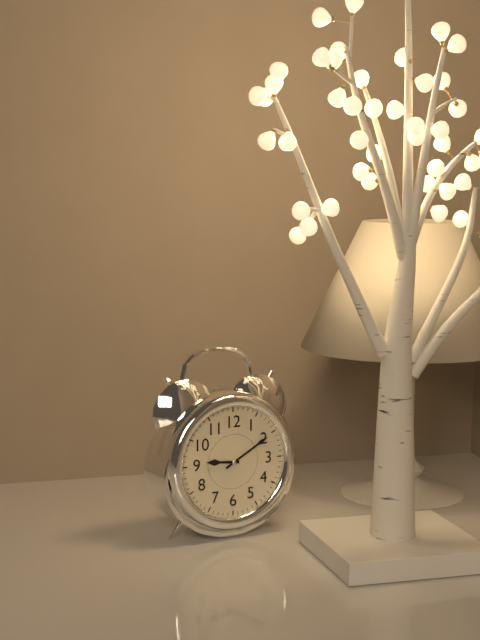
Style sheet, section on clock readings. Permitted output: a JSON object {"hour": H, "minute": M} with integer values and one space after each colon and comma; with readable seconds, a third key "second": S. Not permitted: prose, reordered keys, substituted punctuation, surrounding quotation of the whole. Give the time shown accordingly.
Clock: {"hour": 9, "minute": 10}
